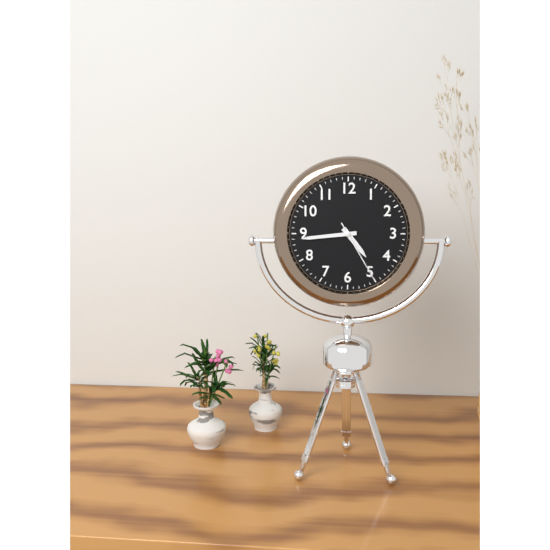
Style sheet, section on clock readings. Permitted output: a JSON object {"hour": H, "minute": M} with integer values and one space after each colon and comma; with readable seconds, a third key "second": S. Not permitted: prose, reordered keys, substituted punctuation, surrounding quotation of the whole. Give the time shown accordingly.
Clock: {"hour": 4, "minute": 44, "second": 25}
